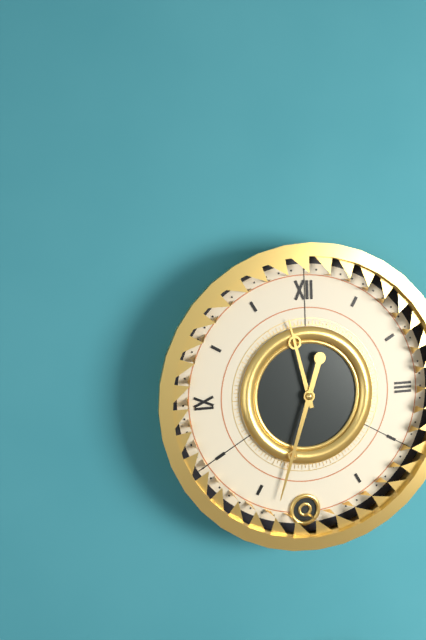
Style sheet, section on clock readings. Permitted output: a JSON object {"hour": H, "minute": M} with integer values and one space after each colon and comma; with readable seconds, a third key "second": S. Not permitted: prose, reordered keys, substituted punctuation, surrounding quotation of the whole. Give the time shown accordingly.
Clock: {"hour": 11, "minute": 33}
